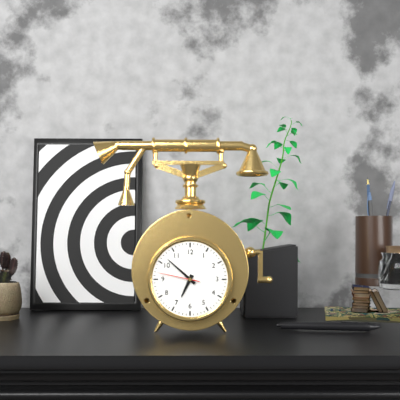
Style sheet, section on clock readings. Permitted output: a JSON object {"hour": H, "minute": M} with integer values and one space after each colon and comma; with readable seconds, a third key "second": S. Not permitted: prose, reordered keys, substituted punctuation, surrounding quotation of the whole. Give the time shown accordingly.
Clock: {"hour": 6, "minute": 52}
